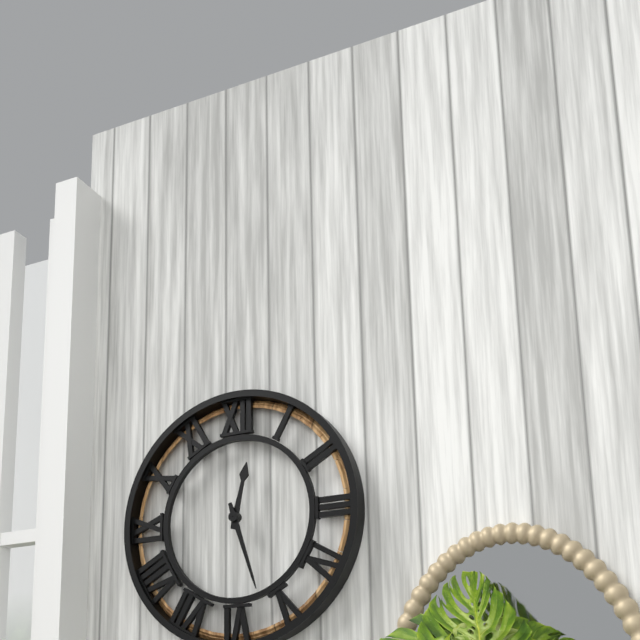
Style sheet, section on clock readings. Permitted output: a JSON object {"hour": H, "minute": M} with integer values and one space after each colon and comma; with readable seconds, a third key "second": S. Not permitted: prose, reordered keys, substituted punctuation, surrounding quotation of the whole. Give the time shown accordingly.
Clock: {"hour": 12, "minute": 27}
